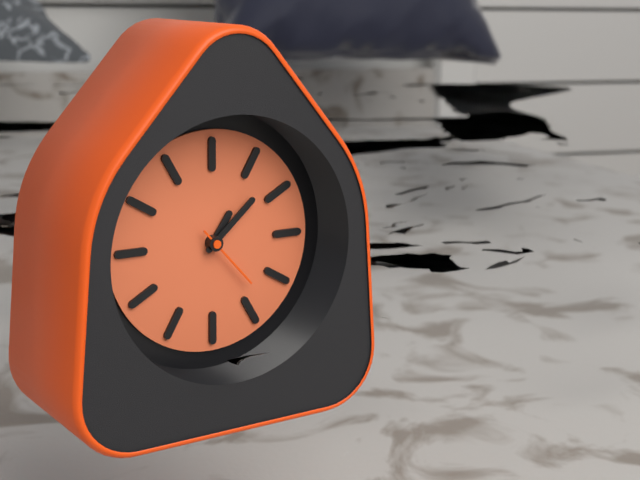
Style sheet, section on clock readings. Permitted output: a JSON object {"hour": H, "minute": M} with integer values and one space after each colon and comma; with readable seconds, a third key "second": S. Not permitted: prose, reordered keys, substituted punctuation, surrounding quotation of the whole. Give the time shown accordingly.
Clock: {"hour": 1, "minute": 8}
